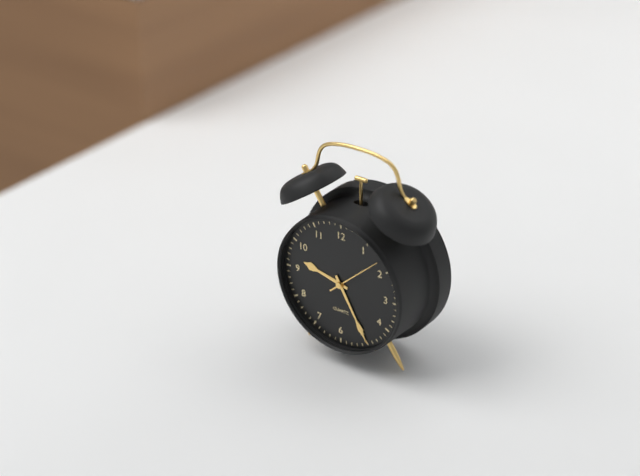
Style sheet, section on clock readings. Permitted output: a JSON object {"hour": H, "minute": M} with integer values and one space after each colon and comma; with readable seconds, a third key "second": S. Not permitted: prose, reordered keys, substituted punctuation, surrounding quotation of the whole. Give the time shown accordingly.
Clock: {"hour": 9, "minute": 25, "second": 8}
